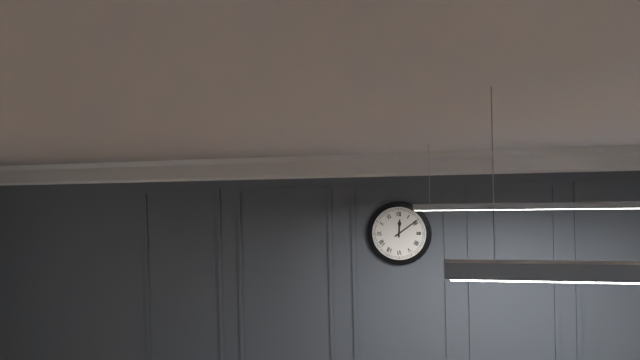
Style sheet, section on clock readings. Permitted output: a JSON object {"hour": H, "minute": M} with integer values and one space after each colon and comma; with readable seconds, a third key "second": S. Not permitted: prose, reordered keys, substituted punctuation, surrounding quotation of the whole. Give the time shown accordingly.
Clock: {"hour": 12, "minute": 9}
